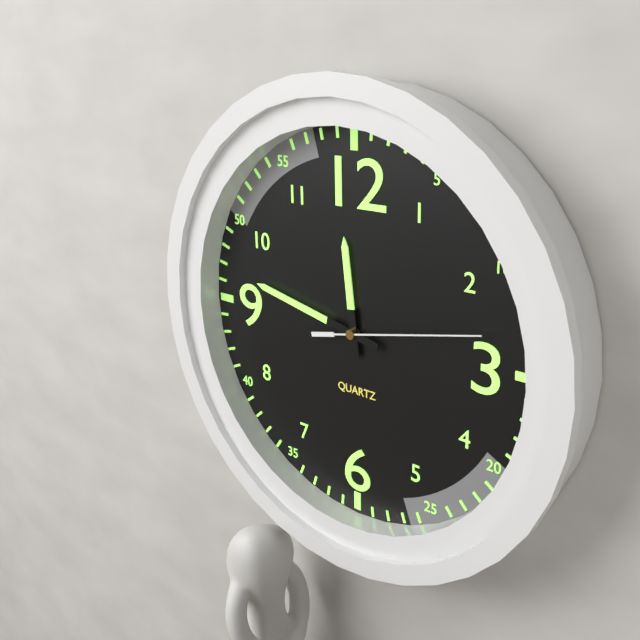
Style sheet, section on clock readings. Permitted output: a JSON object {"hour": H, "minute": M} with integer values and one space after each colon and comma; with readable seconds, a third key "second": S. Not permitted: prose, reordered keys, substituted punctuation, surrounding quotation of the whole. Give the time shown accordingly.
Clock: {"hour": 11, "minute": 47, "second": 13}
